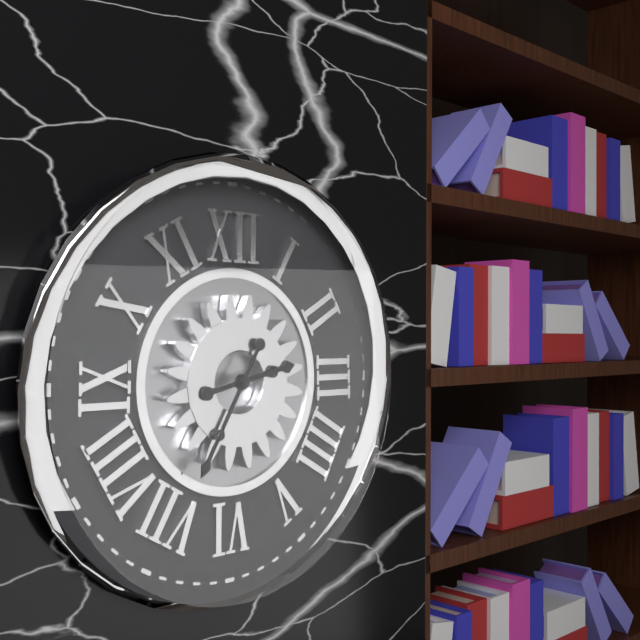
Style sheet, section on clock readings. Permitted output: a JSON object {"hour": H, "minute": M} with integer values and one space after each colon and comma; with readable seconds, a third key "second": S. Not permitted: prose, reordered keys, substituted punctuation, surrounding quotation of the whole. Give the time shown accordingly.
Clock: {"hour": 2, "minute": 35}
